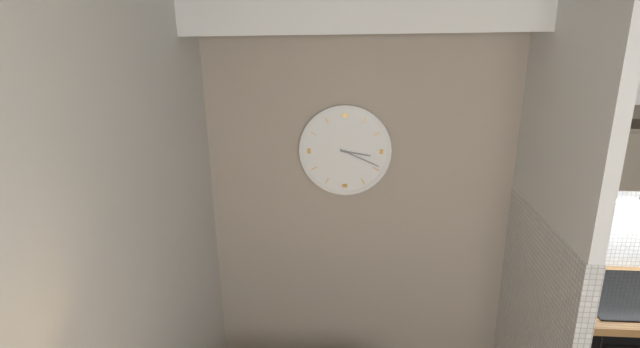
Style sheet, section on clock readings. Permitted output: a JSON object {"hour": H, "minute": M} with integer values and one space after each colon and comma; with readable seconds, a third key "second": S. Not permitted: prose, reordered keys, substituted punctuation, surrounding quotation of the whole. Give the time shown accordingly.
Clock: {"hour": 3, "minute": 19}
